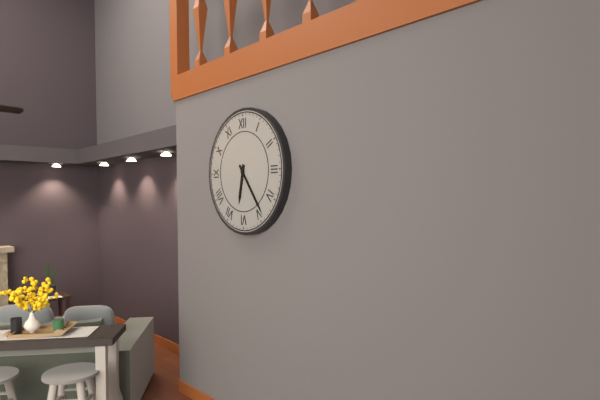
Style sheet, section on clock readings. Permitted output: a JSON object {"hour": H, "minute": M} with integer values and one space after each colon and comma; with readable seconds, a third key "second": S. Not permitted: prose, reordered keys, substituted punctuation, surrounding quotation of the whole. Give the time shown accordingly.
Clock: {"hour": 6, "minute": 24}
